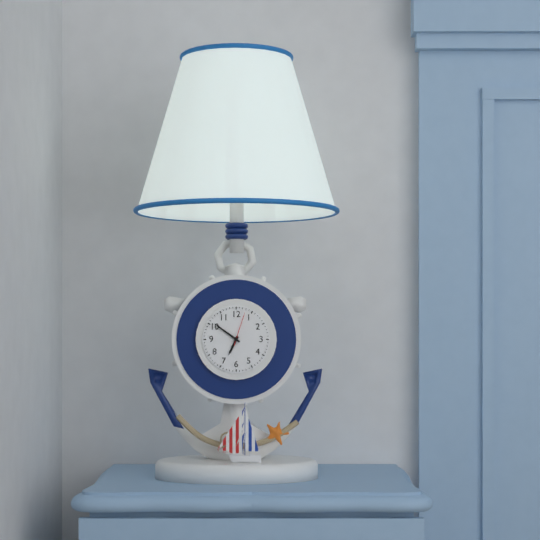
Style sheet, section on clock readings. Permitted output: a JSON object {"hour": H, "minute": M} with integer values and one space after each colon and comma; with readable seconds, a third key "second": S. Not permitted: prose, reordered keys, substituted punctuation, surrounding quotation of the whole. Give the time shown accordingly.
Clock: {"hour": 6, "minute": 51}
